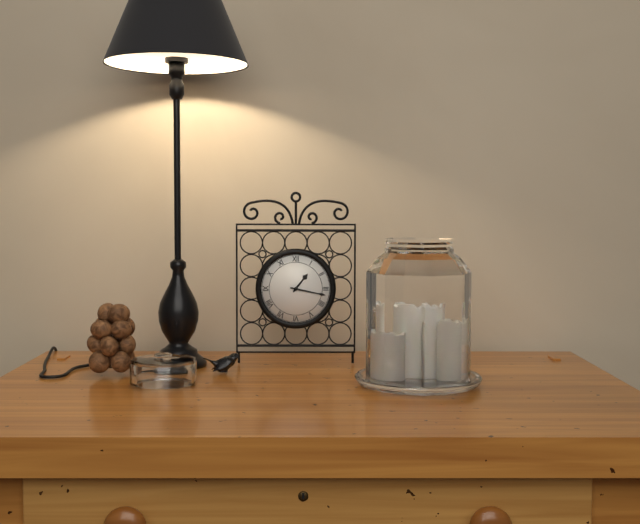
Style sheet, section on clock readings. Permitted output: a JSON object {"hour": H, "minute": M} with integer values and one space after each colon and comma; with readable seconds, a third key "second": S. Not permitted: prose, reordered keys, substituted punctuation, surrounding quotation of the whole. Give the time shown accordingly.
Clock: {"hour": 1, "minute": 17}
